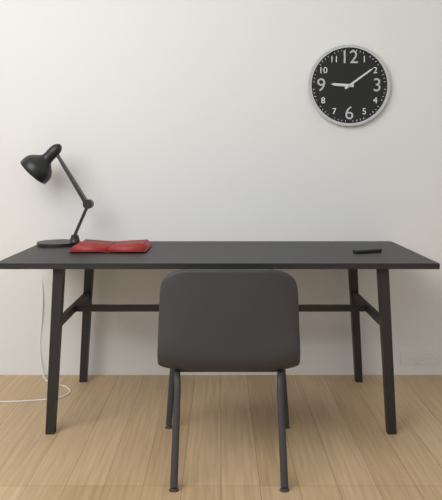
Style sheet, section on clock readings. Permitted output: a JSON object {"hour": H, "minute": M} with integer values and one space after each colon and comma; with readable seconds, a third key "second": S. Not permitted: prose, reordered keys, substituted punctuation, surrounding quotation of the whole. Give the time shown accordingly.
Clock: {"hour": 9, "minute": 9}
